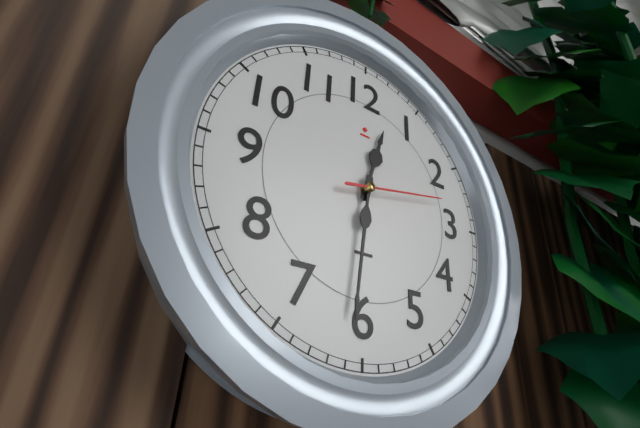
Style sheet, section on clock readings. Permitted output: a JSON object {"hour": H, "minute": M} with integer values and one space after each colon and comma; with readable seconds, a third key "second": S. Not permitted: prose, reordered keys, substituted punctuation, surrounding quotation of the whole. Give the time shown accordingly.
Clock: {"hour": 12, "minute": 31, "second": 13}
